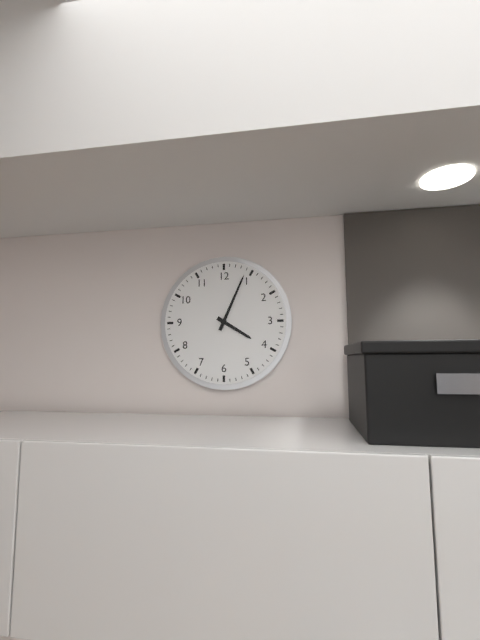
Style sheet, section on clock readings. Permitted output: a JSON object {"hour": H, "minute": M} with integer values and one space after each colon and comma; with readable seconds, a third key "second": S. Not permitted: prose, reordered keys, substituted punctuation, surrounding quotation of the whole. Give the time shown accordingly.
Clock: {"hour": 4, "minute": 4}
